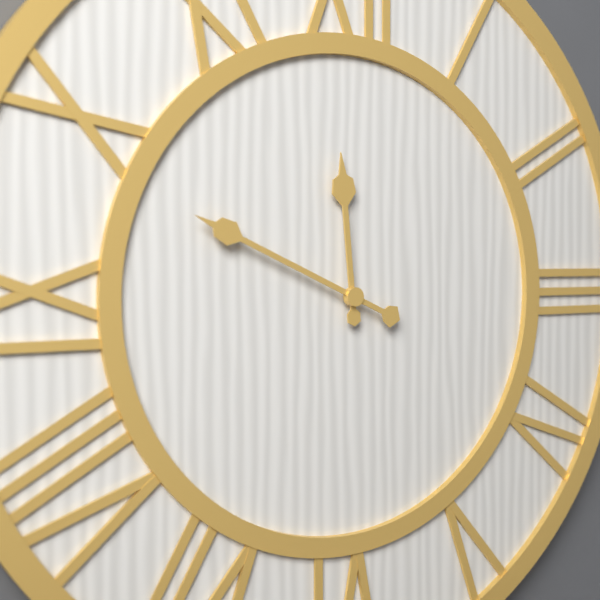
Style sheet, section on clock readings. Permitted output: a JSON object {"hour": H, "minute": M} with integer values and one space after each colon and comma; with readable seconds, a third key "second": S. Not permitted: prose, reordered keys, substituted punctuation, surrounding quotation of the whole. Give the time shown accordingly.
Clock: {"hour": 11, "minute": 49}
